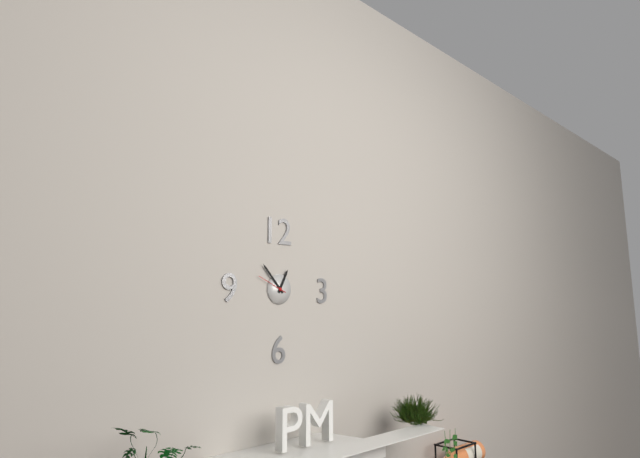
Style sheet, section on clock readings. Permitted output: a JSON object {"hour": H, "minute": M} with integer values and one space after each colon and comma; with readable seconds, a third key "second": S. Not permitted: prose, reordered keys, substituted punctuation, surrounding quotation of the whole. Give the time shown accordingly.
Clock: {"hour": 12, "minute": 53}
